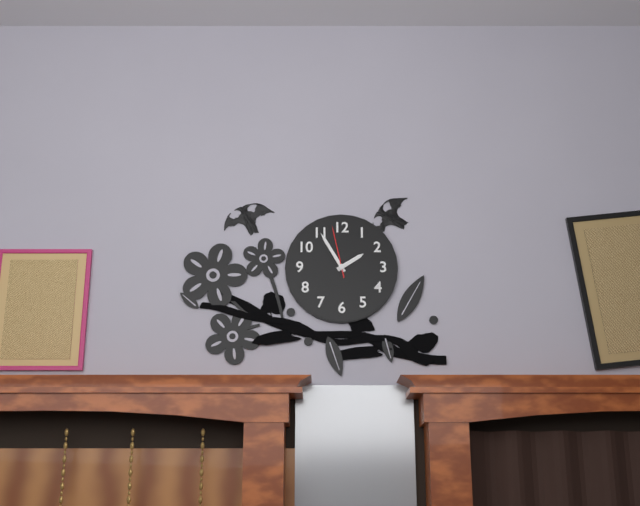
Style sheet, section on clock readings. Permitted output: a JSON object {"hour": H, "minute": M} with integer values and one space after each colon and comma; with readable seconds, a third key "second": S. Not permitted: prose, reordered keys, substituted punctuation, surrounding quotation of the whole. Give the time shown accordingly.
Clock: {"hour": 1, "minute": 55, "second": 58}
